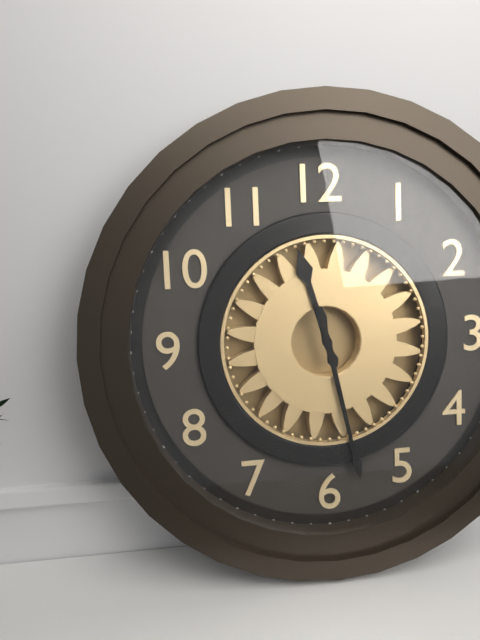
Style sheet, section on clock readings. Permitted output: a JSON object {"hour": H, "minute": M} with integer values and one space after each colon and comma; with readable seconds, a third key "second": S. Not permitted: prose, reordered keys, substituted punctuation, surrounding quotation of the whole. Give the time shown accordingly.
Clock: {"hour": 11, "minute": 28}
